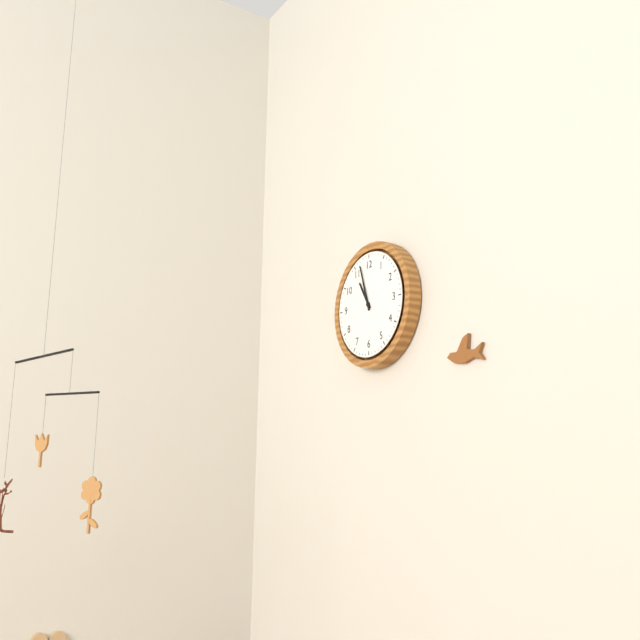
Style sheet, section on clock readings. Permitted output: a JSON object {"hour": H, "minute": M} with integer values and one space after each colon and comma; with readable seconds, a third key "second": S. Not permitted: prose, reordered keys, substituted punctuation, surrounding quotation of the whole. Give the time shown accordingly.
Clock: {"hour": 10, "minute": 57}
